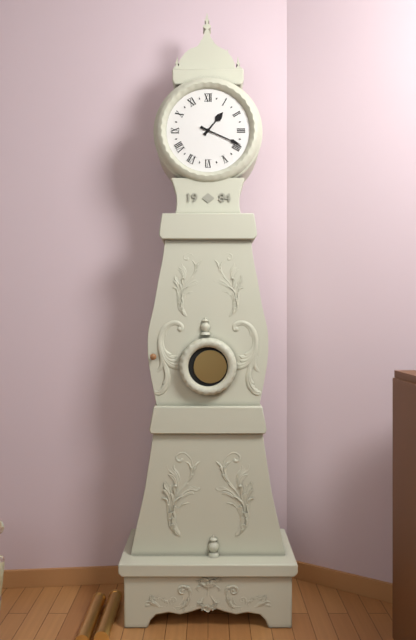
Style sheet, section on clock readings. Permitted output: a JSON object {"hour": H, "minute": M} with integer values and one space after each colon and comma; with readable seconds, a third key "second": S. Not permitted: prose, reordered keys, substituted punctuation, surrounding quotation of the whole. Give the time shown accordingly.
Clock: {"hour": 1, "minute": 19}
